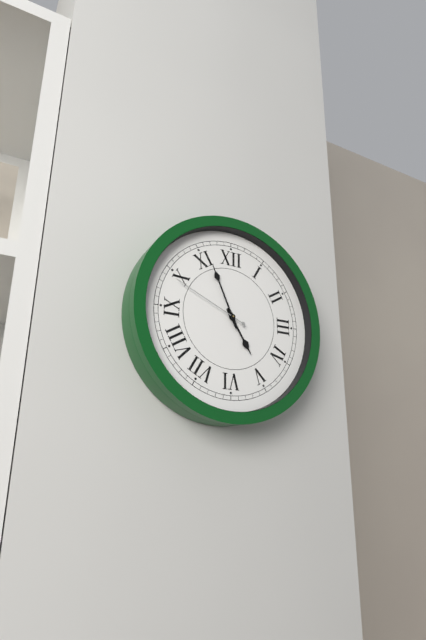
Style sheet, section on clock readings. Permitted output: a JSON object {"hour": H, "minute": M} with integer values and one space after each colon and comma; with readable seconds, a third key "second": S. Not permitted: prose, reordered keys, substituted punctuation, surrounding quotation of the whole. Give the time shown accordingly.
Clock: {"hour": 4, "minute": 56, "second": 49}
